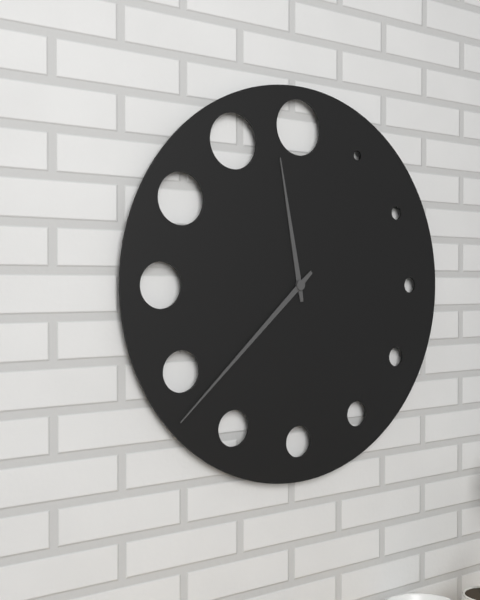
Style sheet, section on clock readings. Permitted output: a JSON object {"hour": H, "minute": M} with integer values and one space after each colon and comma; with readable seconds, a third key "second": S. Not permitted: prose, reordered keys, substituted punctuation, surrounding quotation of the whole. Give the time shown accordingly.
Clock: {"hour": 11, "minute": 38}
